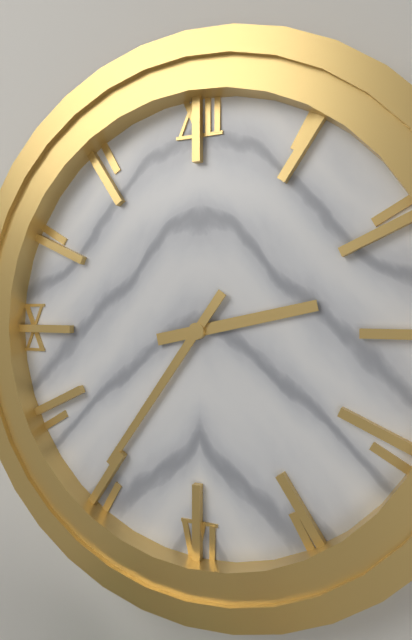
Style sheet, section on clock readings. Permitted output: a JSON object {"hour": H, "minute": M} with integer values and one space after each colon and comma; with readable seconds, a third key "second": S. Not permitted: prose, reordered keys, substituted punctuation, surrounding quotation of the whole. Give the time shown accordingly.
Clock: {"hour": 2, "minute": 36}
